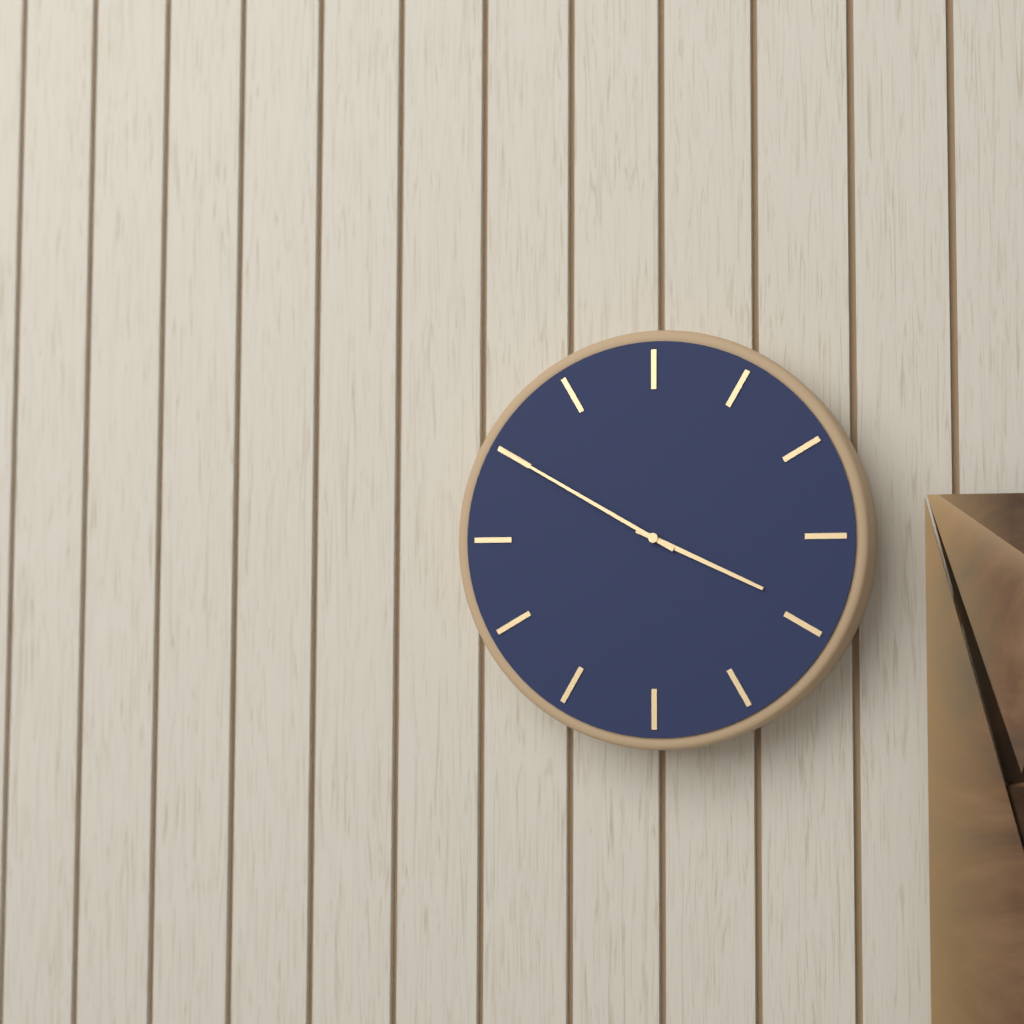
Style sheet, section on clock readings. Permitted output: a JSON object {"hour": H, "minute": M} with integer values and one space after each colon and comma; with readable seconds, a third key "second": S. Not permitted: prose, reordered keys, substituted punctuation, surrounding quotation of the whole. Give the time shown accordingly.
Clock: {"hour": 3, "minute": 50}
